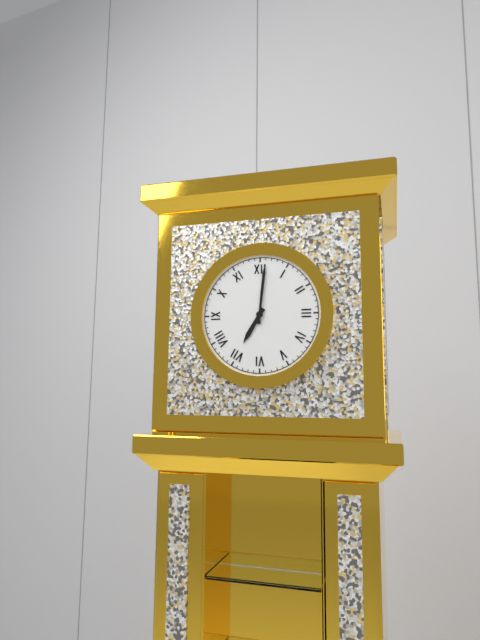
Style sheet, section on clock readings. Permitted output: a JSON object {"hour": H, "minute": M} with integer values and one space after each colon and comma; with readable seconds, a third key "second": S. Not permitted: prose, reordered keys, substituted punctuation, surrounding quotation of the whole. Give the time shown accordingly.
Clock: {"hour": 7, "minute": 1}
